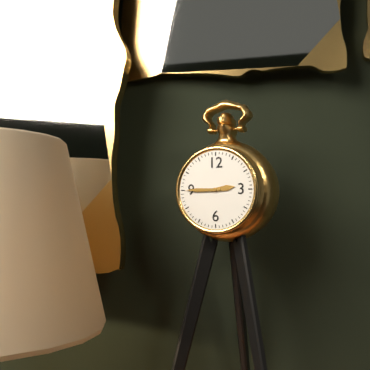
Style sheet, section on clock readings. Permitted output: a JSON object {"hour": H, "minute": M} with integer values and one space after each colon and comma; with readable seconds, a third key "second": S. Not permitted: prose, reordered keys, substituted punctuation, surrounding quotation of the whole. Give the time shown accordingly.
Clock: {"hour": 2, "minute": 45}
